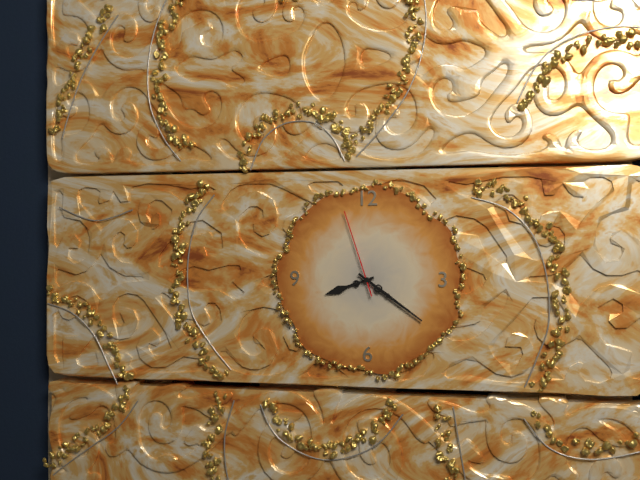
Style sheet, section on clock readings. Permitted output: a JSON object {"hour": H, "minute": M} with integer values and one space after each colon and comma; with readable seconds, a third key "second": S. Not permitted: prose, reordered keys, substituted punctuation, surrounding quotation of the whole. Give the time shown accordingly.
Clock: {"hour": 8, "minute": 21, "second": 57}
